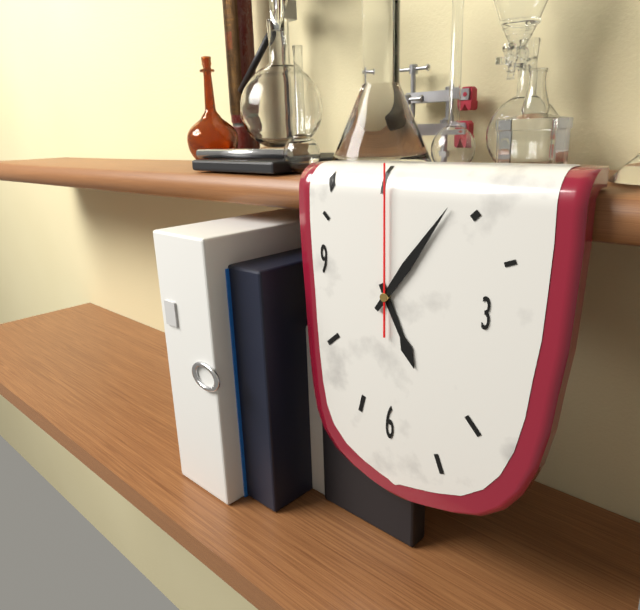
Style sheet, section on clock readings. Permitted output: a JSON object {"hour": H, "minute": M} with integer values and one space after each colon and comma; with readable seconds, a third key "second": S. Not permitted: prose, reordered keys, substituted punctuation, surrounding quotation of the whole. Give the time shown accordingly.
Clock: {"hour": 5, "minute": 6, "second": 0}
